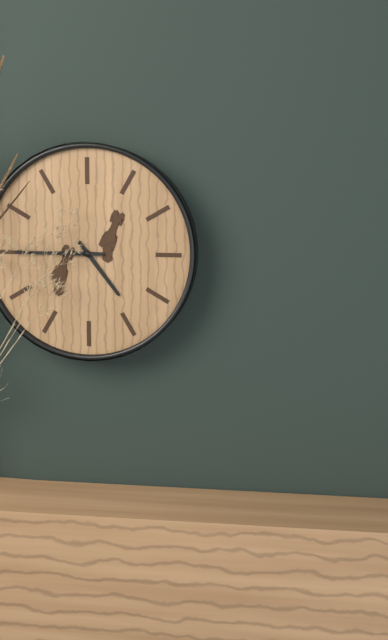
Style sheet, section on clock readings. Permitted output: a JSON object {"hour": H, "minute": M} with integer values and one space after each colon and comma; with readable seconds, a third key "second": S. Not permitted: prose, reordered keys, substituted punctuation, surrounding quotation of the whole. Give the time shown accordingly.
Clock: {"hour": 4, "minute": 45}
